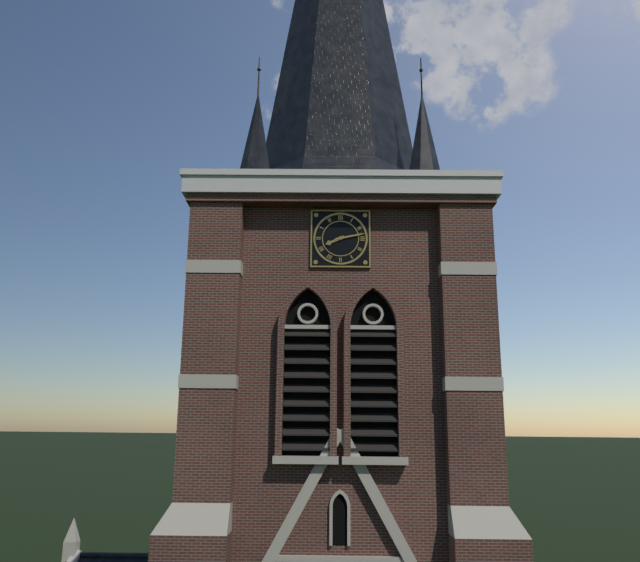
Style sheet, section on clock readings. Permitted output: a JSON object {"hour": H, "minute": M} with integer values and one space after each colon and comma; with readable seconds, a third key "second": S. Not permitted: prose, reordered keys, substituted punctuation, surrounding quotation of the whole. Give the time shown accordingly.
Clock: {"hour": 8, "minute": 13}
